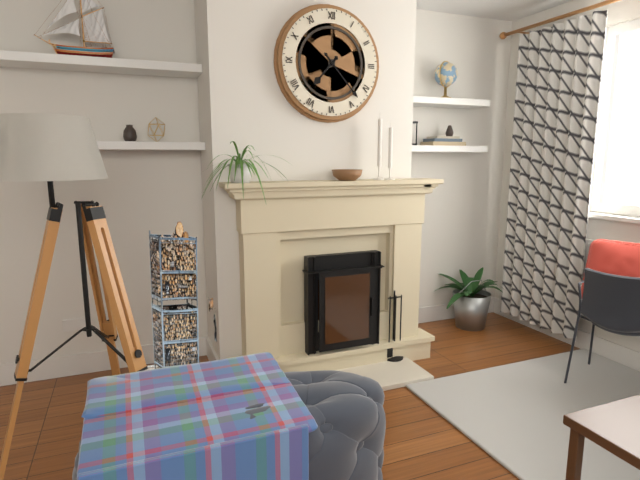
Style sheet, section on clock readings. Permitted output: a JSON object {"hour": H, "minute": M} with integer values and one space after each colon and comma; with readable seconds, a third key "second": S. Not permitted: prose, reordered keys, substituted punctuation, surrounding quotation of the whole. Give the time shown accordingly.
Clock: {"hour": 7, "minute": 23}
